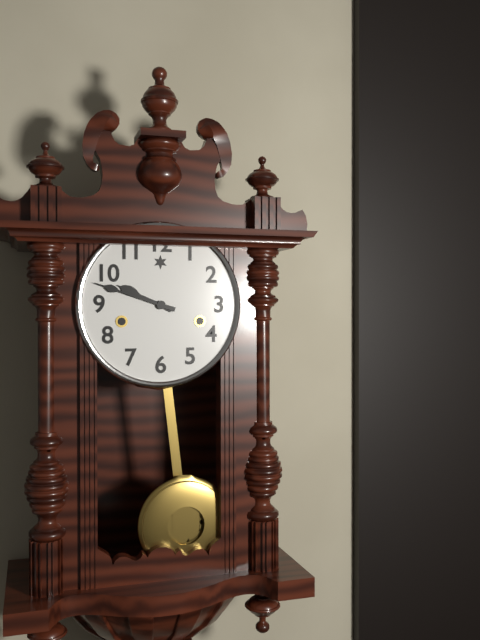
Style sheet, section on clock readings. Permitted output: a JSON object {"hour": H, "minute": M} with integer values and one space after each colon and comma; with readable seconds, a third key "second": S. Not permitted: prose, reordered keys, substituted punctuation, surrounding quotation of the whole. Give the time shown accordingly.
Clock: {"hour": 9, "minute": 48}
